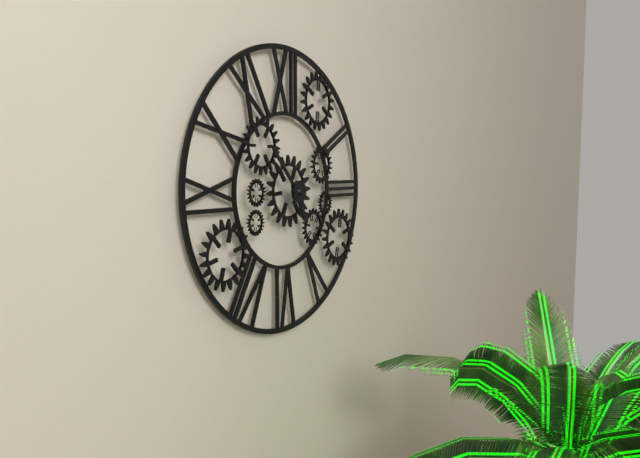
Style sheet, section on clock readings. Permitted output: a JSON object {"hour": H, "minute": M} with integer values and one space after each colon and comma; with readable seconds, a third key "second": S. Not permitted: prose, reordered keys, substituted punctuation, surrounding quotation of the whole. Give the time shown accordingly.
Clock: {"hour": 4, "minute": 53}
